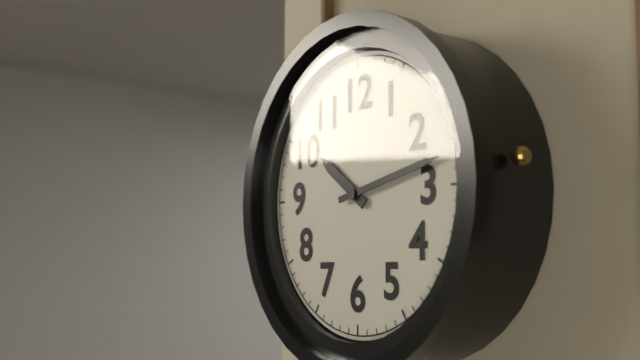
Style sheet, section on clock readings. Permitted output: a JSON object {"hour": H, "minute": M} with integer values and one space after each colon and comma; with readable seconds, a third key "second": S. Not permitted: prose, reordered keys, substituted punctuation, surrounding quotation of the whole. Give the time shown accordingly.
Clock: {"hour": 10, "minute": 13}
